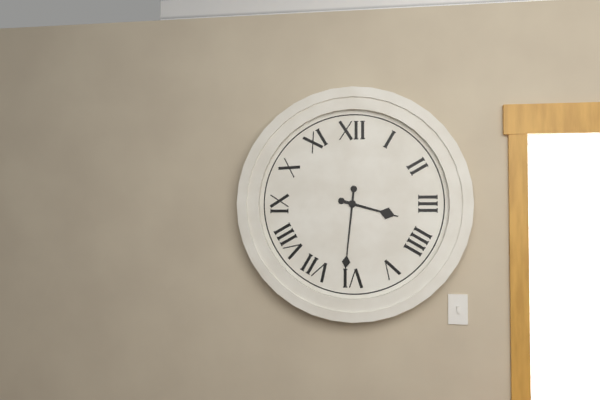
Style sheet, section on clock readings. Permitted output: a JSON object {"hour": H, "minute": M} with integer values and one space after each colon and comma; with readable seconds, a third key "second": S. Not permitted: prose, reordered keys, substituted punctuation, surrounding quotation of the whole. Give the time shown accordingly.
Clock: {"hour": 3, "minute": 31}
